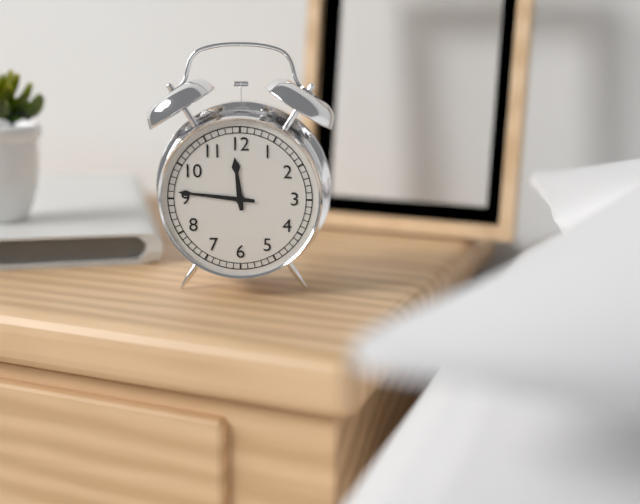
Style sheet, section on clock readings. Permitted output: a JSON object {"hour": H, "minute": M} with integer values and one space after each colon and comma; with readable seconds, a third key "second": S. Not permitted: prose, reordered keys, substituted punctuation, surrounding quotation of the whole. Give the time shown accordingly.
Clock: {"hour": 11, "minute": 46}
